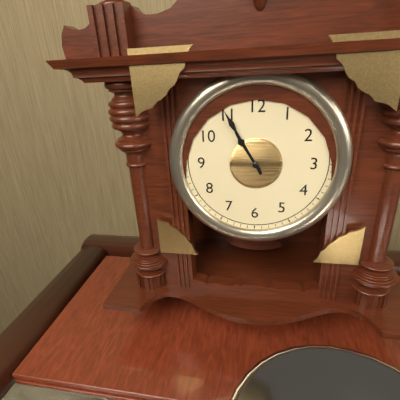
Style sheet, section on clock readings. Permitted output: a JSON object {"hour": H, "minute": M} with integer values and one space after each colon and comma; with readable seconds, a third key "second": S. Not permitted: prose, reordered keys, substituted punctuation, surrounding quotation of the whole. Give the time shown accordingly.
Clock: {"hour": 10, "minute": 55}
